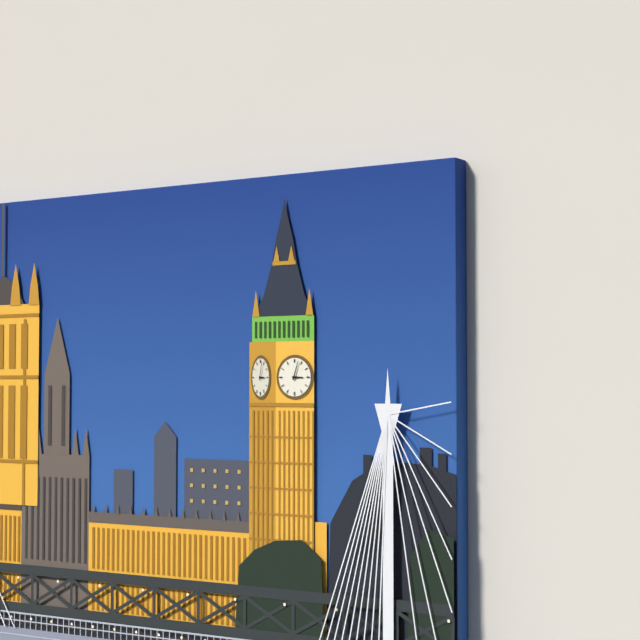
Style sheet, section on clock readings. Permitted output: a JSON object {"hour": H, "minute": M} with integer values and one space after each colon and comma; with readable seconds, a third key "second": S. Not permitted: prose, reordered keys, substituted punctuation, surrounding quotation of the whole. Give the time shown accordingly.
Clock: {"hour": 3, "minute": 3}
